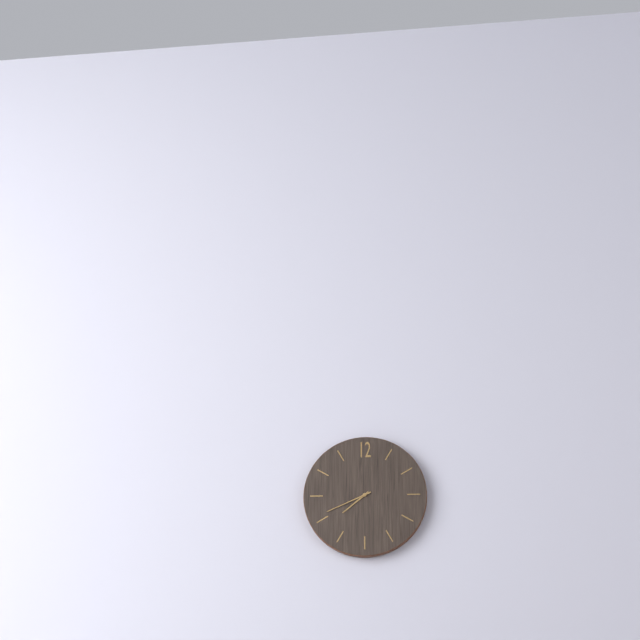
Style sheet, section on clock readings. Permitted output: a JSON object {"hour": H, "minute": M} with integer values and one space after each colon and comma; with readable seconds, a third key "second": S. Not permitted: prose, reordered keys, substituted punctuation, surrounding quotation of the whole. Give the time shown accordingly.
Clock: {"hour": 7, "minute": 41}
